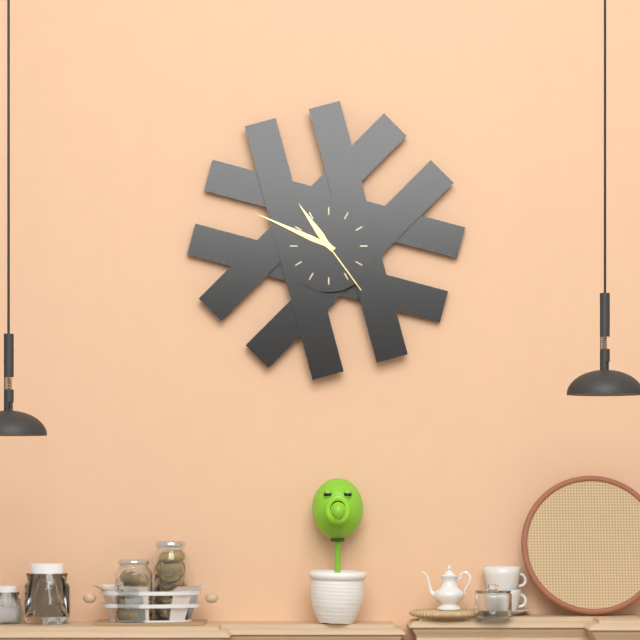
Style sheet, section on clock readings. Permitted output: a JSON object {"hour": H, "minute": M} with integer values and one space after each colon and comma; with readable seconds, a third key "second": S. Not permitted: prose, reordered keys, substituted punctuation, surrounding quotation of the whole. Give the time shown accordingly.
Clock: {"hour": 10, "minute": 49, "second": 24}
